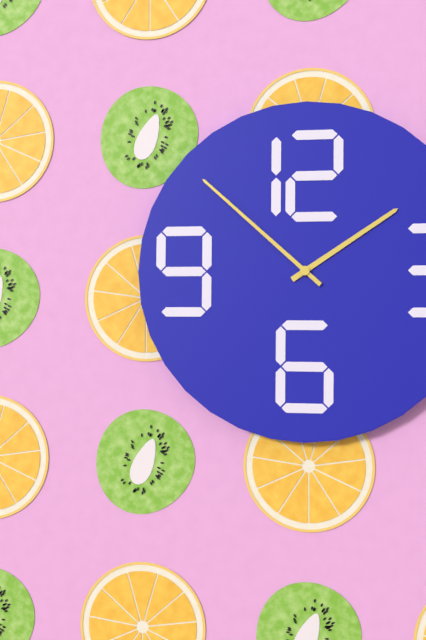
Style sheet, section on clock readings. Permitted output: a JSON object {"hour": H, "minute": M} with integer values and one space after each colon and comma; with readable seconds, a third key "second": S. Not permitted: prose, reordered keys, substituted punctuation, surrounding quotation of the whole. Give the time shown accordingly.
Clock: {"hour": 1, "minute": 52}
